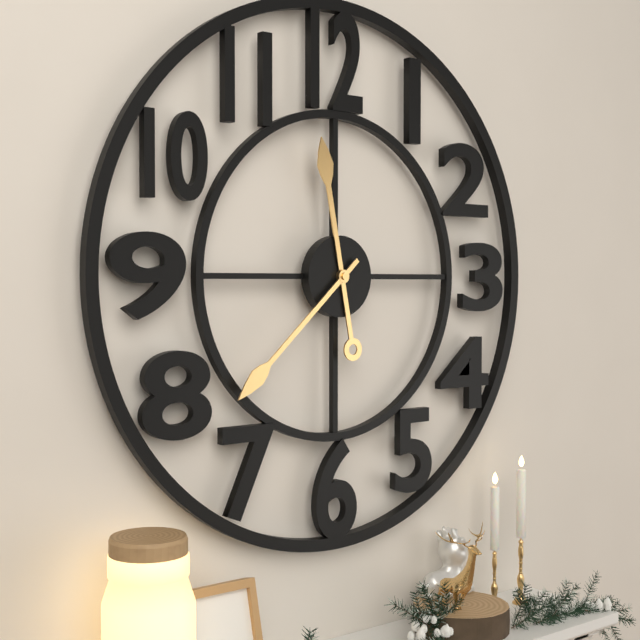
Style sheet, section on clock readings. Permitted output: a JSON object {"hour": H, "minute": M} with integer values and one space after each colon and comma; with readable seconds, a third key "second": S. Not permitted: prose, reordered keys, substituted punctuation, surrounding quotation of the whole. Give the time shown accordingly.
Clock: {"hour": 11, "minute": 38}
